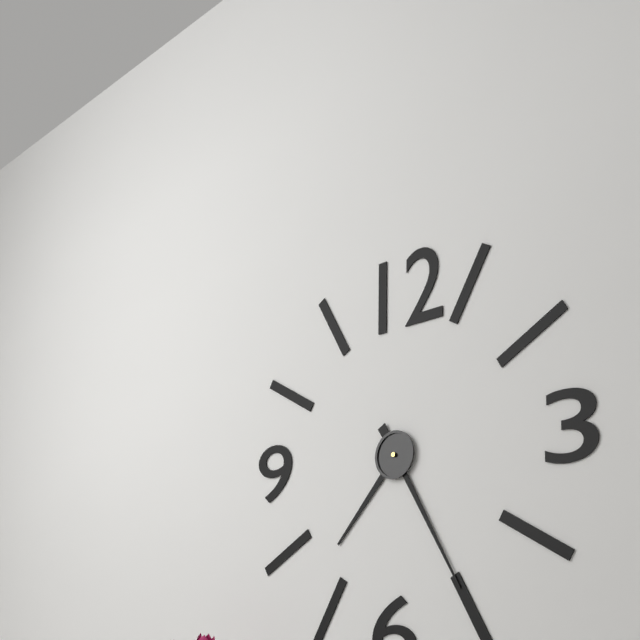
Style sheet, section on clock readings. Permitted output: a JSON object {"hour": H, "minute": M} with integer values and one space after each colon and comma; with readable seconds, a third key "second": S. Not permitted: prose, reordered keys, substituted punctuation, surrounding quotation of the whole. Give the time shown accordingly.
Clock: {"hour": 7, "minute": 25}
